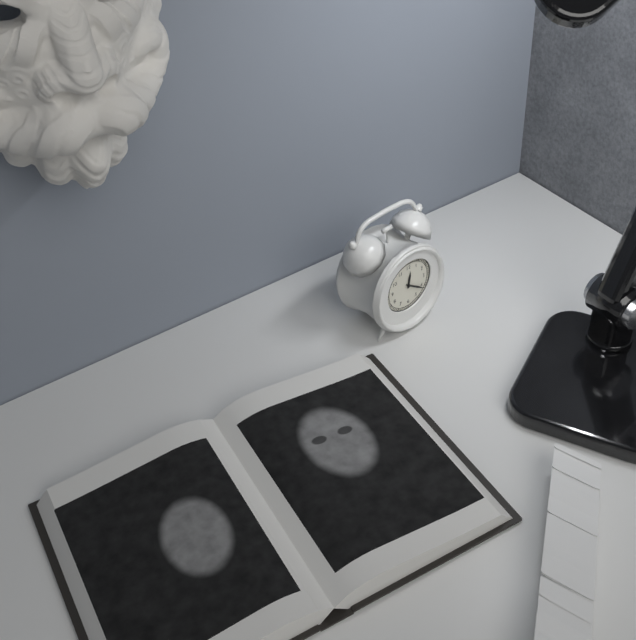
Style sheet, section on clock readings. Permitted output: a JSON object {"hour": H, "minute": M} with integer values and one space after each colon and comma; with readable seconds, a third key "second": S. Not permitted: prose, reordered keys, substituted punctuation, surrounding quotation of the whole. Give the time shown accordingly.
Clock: {"hour": 12, "minute": 21}
